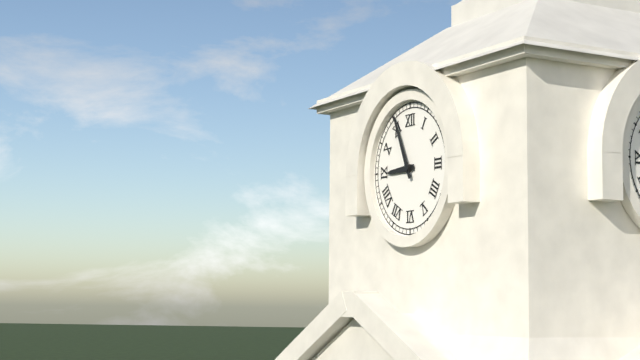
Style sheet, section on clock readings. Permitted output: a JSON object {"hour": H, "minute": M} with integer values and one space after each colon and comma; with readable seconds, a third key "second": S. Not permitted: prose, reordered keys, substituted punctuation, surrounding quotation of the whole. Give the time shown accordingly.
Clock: {"hour": 8, "minute": 56}
